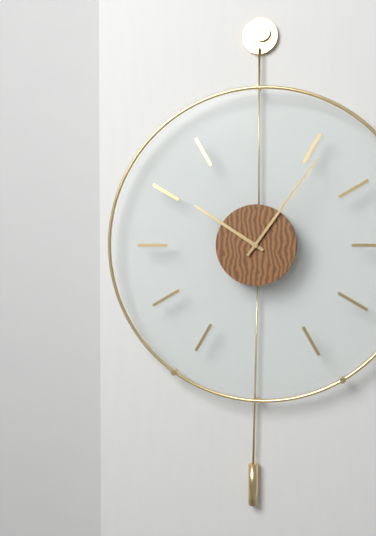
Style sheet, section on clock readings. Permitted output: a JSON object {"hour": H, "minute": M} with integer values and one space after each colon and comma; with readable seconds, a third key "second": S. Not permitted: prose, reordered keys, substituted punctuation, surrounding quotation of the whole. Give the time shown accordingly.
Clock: {"hour": 10, "minute": 6}
